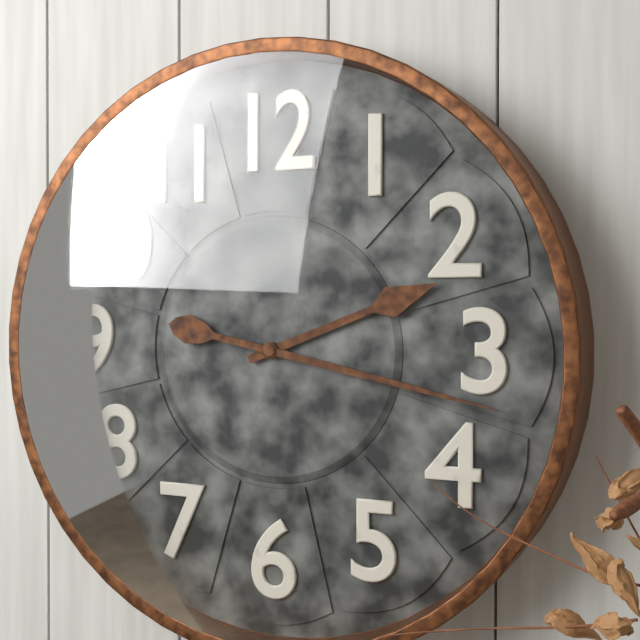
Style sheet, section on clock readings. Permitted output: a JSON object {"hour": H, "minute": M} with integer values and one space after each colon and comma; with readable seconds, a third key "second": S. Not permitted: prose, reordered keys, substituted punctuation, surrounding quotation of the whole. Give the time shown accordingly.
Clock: {"hour": 2, "minute": 17}
